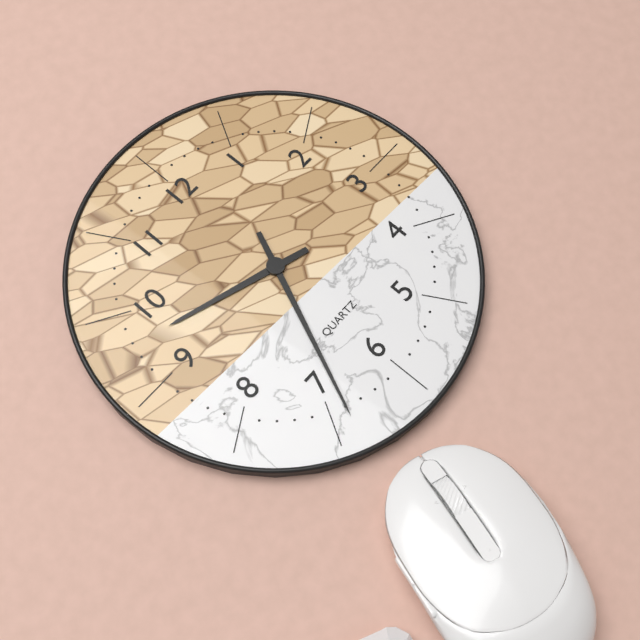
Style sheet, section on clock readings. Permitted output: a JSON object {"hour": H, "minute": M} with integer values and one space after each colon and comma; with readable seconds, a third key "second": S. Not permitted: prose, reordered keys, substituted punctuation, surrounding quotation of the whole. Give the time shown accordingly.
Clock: {"hour": 9, "minute": 34}
